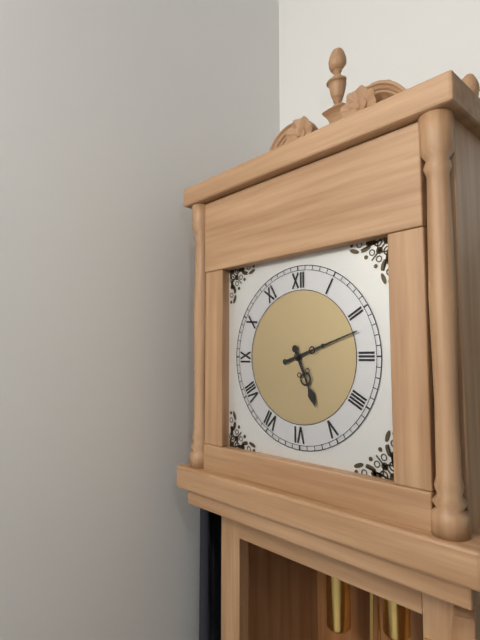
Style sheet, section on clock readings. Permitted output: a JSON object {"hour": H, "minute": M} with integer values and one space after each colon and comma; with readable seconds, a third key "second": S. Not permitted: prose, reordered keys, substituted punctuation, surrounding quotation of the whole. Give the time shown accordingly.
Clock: {"hour": 5, "minute": 12}
